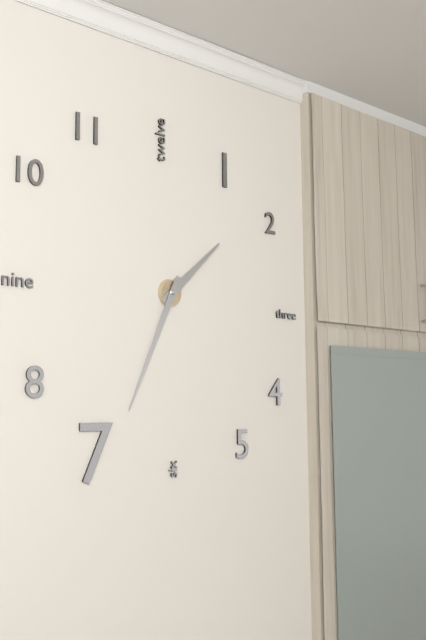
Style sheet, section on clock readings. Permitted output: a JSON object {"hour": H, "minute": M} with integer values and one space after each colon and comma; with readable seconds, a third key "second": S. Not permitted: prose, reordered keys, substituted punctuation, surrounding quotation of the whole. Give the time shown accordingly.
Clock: {"hour": 1, "minute": 34}
